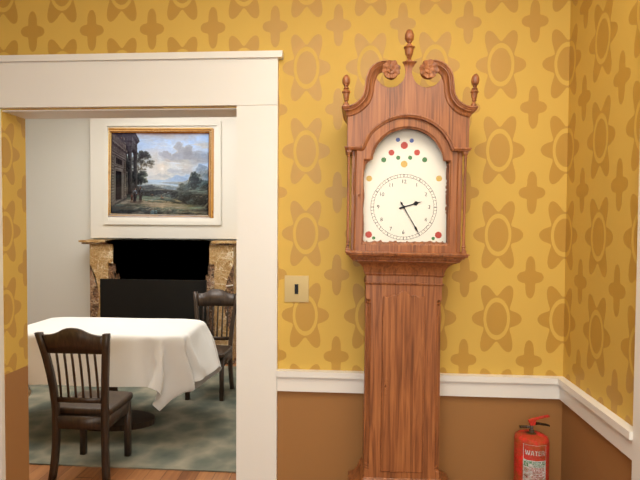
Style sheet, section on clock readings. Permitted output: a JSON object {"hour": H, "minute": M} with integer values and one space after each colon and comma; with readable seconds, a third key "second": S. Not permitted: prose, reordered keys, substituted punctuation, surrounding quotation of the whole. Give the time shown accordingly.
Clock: {"hour": 2, "minute": 25}
